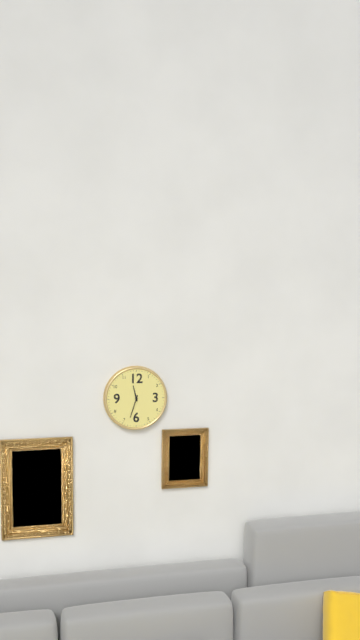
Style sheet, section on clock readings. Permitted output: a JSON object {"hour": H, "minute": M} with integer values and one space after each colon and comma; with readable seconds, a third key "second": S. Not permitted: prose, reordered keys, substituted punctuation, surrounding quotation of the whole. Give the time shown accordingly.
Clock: {"hour": 11, "minute": 33}
